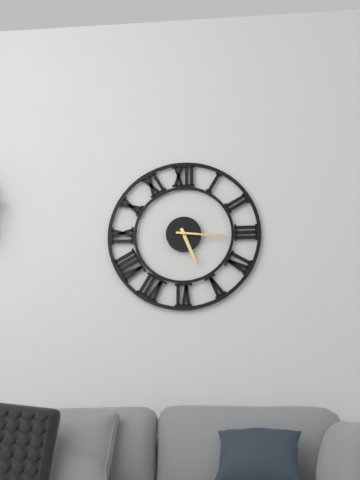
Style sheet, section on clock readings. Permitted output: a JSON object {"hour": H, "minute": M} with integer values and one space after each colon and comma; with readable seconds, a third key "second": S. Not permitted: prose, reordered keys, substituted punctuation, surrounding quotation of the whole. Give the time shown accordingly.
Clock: {"hour": 5, "minute": 16}
